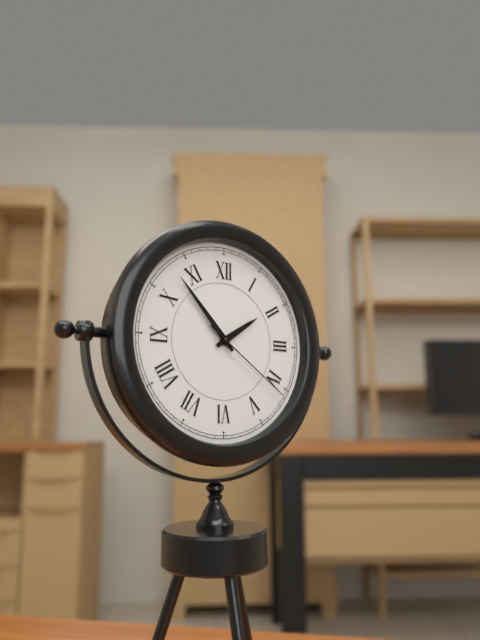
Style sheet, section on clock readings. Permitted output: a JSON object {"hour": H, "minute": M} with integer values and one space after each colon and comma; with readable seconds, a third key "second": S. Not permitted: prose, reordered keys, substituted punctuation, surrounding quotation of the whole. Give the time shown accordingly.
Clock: {"hour": 1, "minute": 53, "second": 21}
